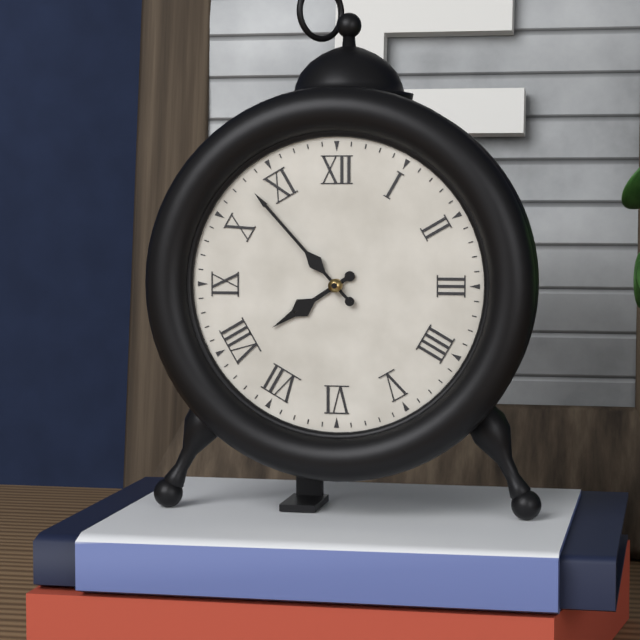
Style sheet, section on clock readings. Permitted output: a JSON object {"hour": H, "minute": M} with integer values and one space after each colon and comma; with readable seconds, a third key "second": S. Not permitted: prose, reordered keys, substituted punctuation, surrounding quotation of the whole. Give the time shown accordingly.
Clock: {"hour": 7, "minute": 53}
